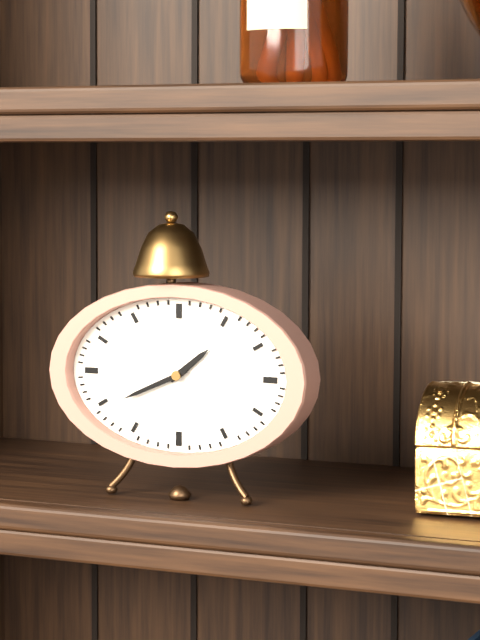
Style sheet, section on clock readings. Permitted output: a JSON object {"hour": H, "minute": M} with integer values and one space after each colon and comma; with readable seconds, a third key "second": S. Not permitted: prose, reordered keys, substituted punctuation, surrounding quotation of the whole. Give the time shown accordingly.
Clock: {"hour": 1, "minute": 41}
